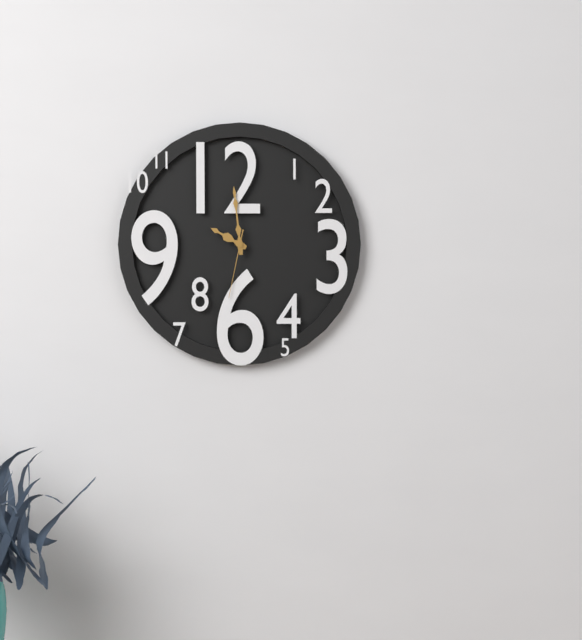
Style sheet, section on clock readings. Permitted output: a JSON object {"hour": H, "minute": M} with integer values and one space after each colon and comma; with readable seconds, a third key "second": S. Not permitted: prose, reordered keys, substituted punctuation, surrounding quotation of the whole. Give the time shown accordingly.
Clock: {"hour": 9, "minute": 59, "second": 32}
